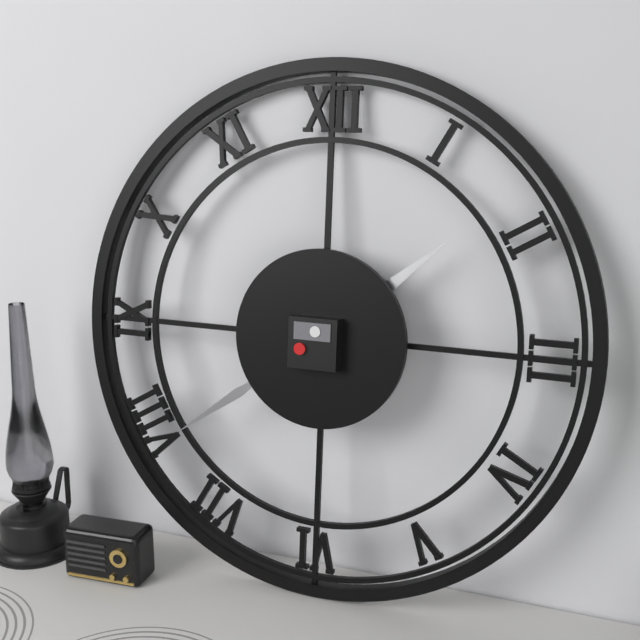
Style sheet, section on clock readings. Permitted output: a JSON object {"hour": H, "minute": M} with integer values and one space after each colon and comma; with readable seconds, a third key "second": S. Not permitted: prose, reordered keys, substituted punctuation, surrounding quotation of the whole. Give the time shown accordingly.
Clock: {"hour": 1, "minute": 39}
